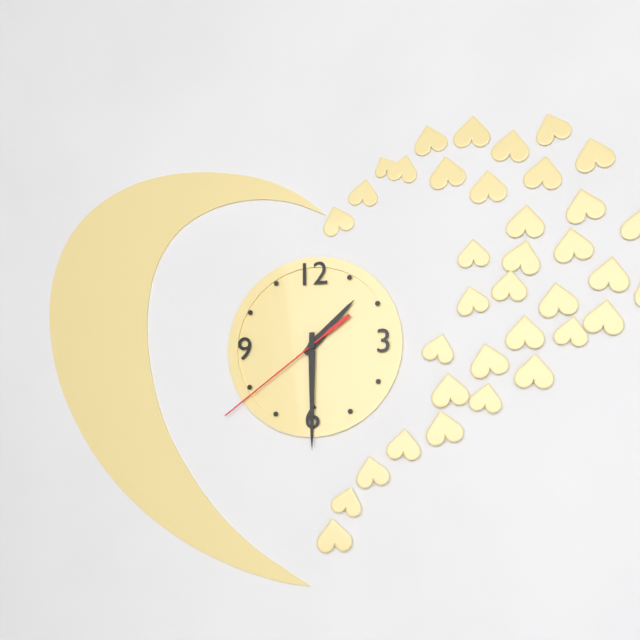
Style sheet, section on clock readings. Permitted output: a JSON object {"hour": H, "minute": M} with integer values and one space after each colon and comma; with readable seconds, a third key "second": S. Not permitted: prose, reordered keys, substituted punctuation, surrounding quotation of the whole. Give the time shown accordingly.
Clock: {"hour": 1, "minute": 30, "second": 39}
